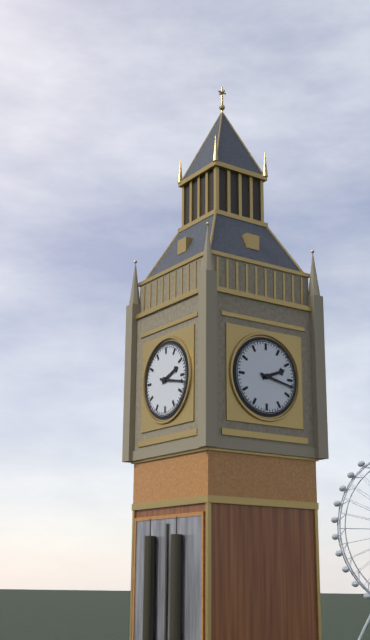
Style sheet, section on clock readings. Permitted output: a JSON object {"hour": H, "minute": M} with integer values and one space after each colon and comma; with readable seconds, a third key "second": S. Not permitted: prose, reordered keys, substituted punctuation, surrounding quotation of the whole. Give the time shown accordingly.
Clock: {"hour": 2, "minute": 17}
